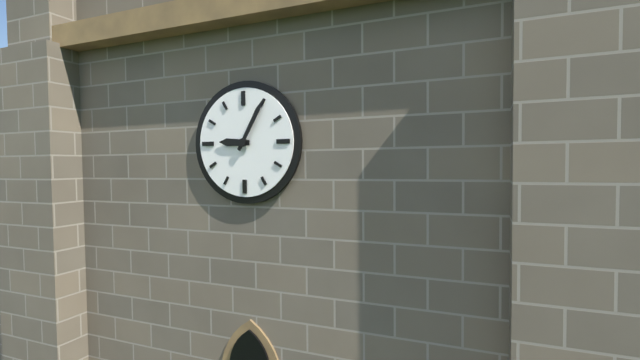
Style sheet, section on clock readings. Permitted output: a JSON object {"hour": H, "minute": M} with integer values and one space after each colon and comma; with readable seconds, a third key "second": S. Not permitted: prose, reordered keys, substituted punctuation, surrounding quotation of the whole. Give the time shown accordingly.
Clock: {"hour": 9, "minute": 5}
